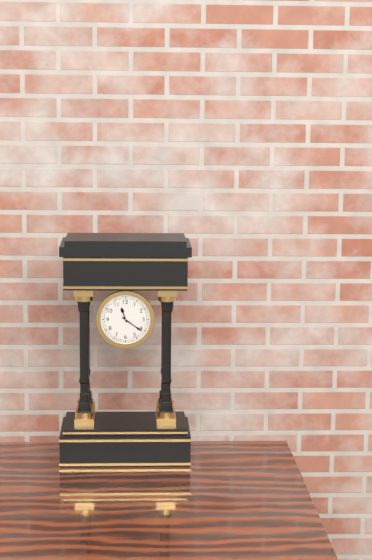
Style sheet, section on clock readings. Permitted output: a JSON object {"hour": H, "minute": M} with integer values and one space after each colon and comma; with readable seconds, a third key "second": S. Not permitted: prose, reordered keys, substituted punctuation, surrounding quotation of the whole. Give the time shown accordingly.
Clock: {"hour": 11, "minute": 21}
